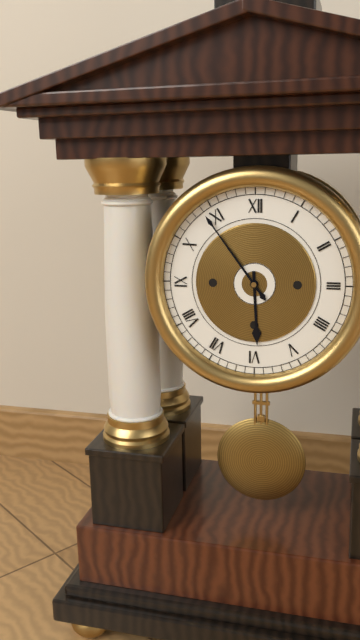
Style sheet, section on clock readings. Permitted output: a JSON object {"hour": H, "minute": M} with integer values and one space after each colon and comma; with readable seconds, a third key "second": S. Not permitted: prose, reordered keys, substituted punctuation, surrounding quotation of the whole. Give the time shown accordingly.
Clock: {"hour": 5, "minute": 54}
